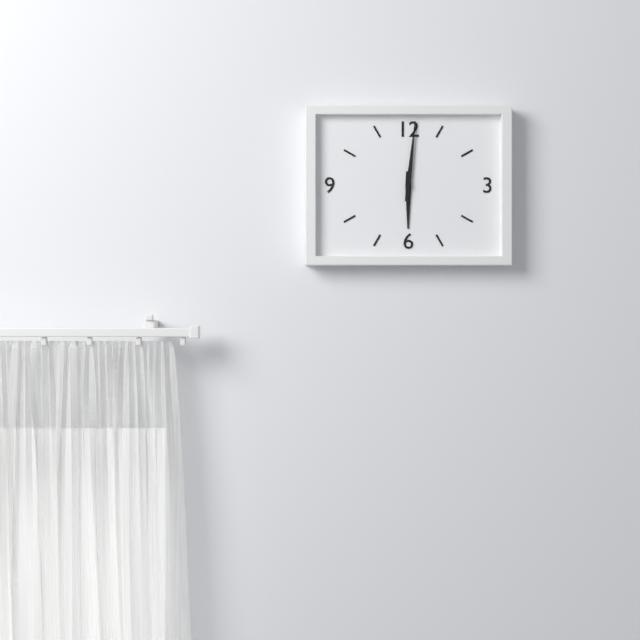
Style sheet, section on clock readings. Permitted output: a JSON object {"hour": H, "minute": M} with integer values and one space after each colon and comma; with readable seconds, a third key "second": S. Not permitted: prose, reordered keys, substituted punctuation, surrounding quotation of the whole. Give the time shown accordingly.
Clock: {"hour": 6, "minute": 1}
